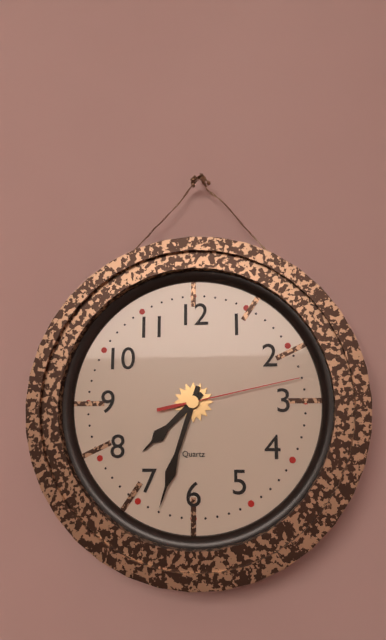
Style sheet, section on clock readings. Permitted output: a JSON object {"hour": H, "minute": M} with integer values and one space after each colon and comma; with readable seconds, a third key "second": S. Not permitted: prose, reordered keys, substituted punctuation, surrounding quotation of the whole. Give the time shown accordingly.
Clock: {"hour": 7, "minute": 33, "second": 13}
